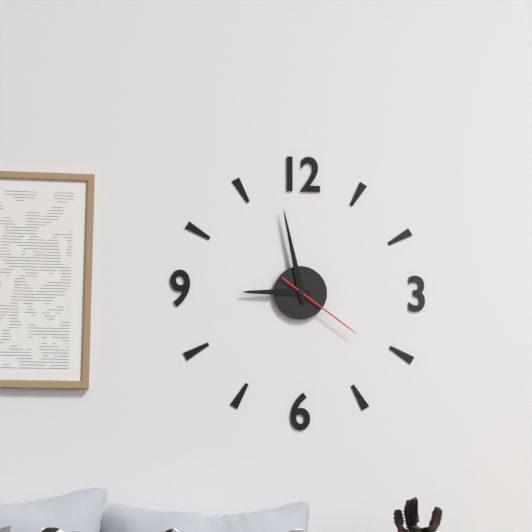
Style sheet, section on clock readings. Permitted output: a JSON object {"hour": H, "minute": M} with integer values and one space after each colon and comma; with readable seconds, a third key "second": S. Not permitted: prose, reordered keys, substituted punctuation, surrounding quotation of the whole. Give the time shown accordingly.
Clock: {"hour": 8, "minute": 58, "second": 21}
